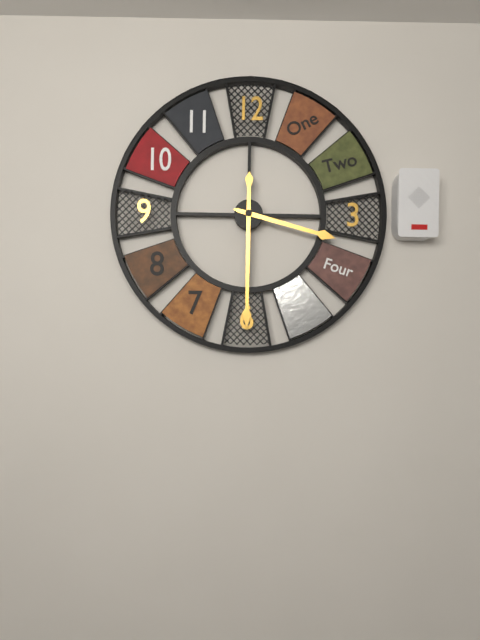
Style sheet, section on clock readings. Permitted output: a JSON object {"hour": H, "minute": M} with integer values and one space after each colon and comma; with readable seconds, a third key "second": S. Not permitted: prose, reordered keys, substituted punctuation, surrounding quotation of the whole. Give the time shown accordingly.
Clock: {"hour": 3, "minute": 30}
